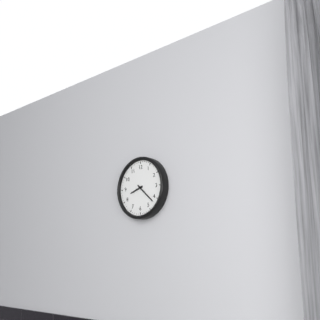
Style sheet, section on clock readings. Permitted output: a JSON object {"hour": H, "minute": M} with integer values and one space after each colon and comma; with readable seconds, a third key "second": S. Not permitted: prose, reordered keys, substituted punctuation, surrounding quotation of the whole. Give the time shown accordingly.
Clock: {"hour": 8, "minute": 22}
